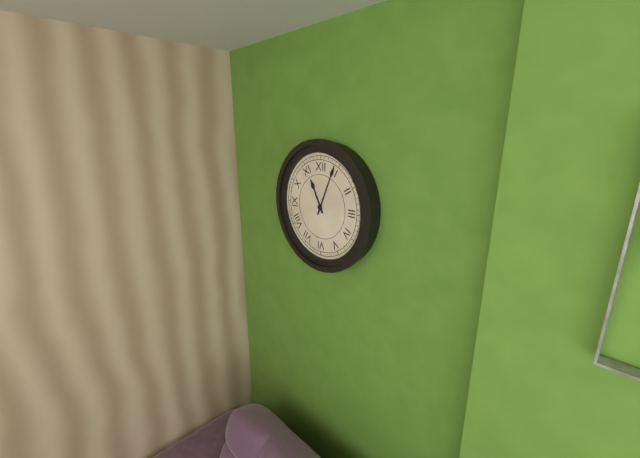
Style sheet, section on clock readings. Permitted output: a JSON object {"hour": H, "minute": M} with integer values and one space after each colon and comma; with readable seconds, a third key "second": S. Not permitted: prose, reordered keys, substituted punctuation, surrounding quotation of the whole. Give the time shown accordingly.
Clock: {"hour": 11, "minute": 4}
